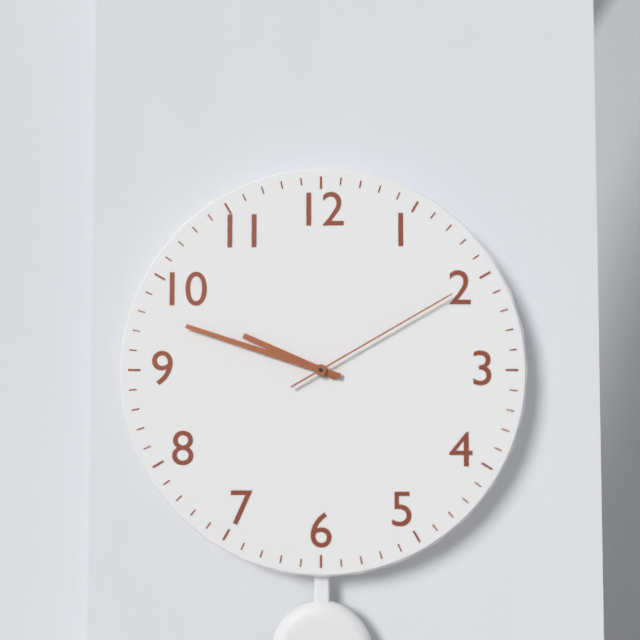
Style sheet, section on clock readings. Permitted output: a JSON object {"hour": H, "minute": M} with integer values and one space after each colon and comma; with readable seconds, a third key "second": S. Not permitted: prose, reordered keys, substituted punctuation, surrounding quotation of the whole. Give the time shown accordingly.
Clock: {"hour": 9, "minute": 48, "second": 10}
